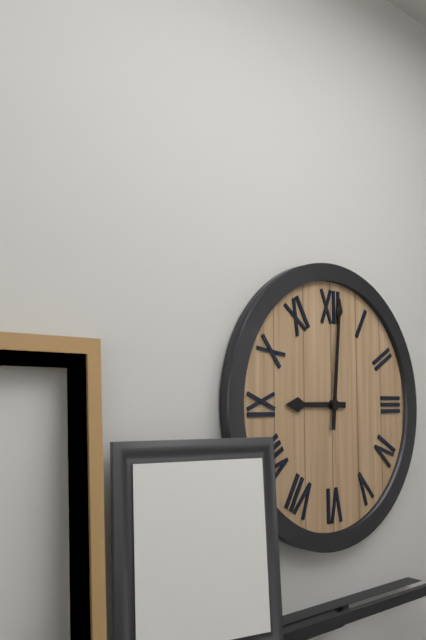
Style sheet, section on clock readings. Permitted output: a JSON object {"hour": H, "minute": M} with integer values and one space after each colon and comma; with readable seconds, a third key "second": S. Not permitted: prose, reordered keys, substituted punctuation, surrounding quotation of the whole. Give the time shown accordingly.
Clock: {"hour": 9, "minute": 1}
